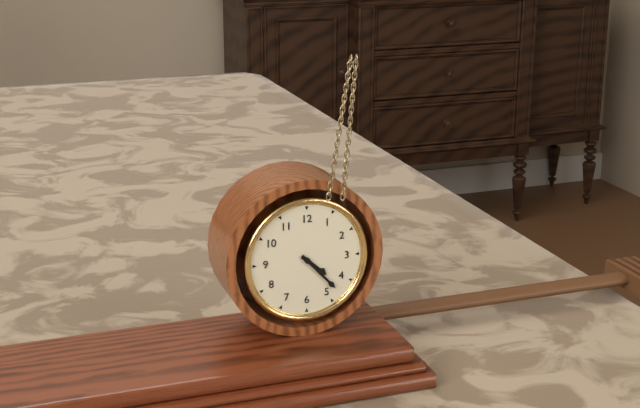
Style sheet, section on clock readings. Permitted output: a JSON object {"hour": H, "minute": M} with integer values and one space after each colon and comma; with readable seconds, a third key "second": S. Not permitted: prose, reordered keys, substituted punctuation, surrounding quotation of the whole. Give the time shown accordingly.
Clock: {"hour": 4, "minute": 23}
